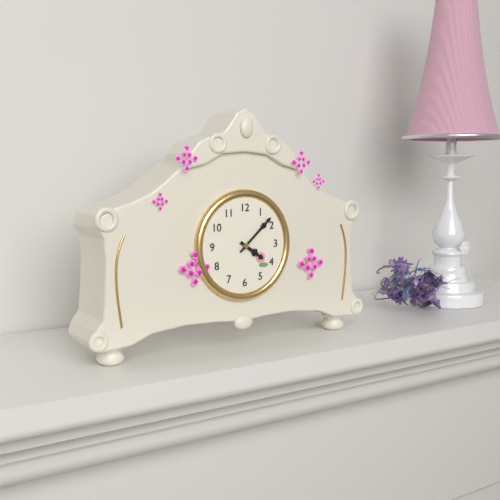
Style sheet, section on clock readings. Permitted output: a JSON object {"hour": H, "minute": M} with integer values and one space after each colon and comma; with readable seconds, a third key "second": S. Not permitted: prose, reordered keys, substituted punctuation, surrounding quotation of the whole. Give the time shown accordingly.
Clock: {"hour": 4, "minute": 8}
